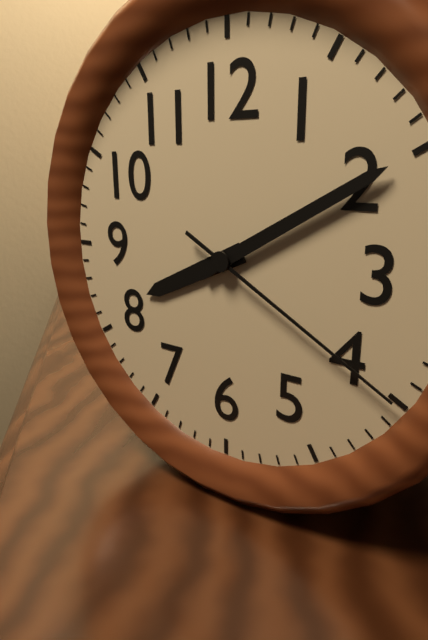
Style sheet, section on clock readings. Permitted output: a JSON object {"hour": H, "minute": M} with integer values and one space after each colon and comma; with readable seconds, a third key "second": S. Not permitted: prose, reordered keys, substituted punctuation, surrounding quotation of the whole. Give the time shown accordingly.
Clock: {"hour": 8, "minute": 10, "second": 20}
